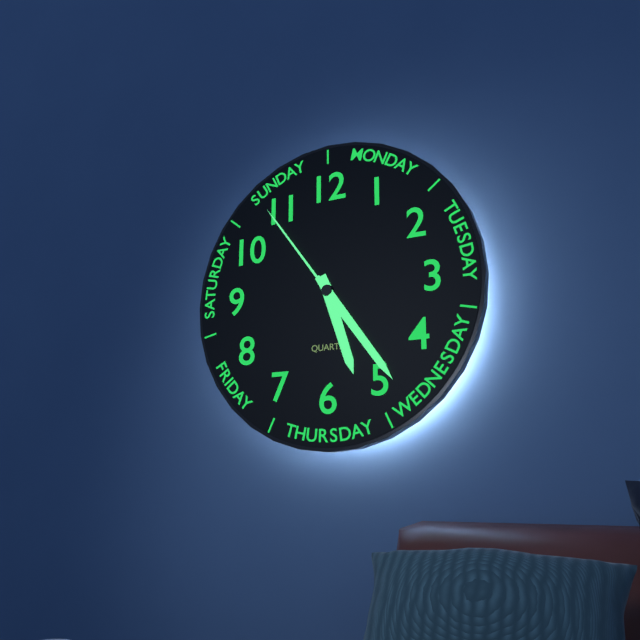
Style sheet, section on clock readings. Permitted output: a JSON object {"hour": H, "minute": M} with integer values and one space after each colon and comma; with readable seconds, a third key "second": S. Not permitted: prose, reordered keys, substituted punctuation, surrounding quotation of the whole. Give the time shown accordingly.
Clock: {"hour": 5, "minute": 24, "second": 54}
